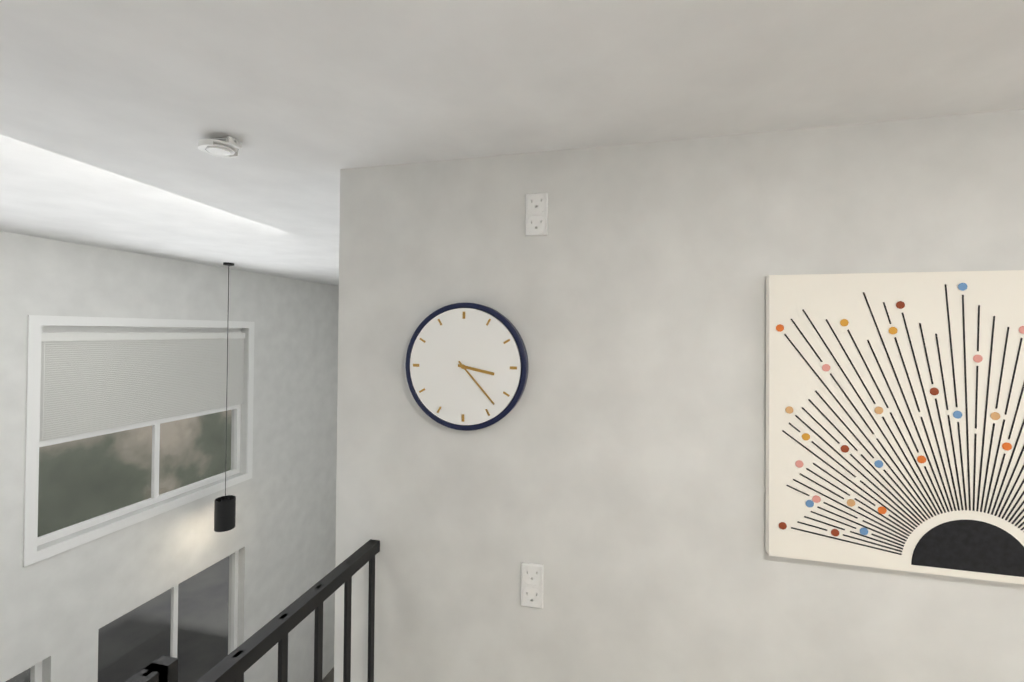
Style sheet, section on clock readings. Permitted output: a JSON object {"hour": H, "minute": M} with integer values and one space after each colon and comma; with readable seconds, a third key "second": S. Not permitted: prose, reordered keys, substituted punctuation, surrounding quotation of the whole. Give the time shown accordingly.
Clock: {"hour": 3, "minute": 23}
